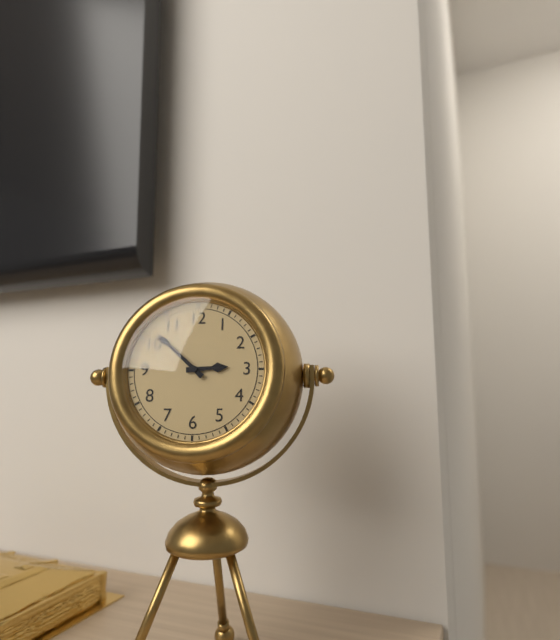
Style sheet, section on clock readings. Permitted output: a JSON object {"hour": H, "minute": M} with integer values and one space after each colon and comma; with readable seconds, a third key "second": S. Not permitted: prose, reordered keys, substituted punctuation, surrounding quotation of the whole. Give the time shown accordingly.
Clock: {"hour": 2, "minute": 52}
